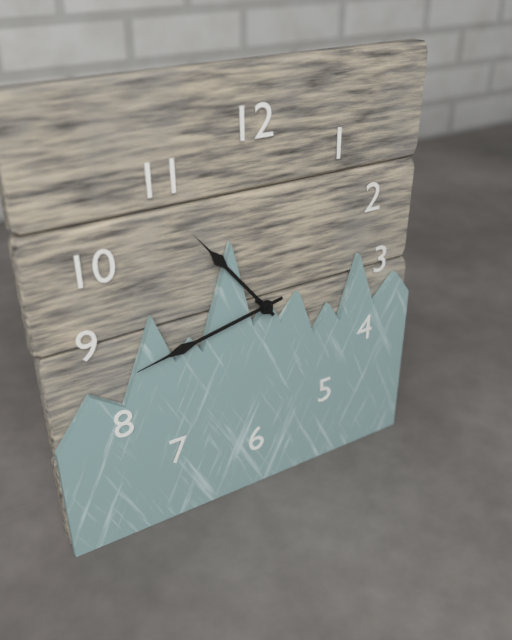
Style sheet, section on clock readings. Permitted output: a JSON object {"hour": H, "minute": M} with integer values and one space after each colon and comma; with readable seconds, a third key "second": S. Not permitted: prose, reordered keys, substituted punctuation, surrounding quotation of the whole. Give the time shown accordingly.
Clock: {"hour": 10, "minute": 43}
